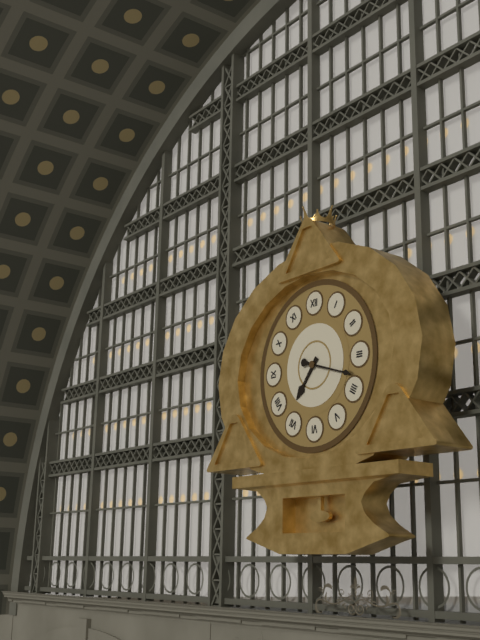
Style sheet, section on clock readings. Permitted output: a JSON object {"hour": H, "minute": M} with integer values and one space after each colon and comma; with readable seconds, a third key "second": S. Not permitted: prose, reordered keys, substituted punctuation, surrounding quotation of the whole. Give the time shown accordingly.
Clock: {"hour": 7, "minute": 18}
